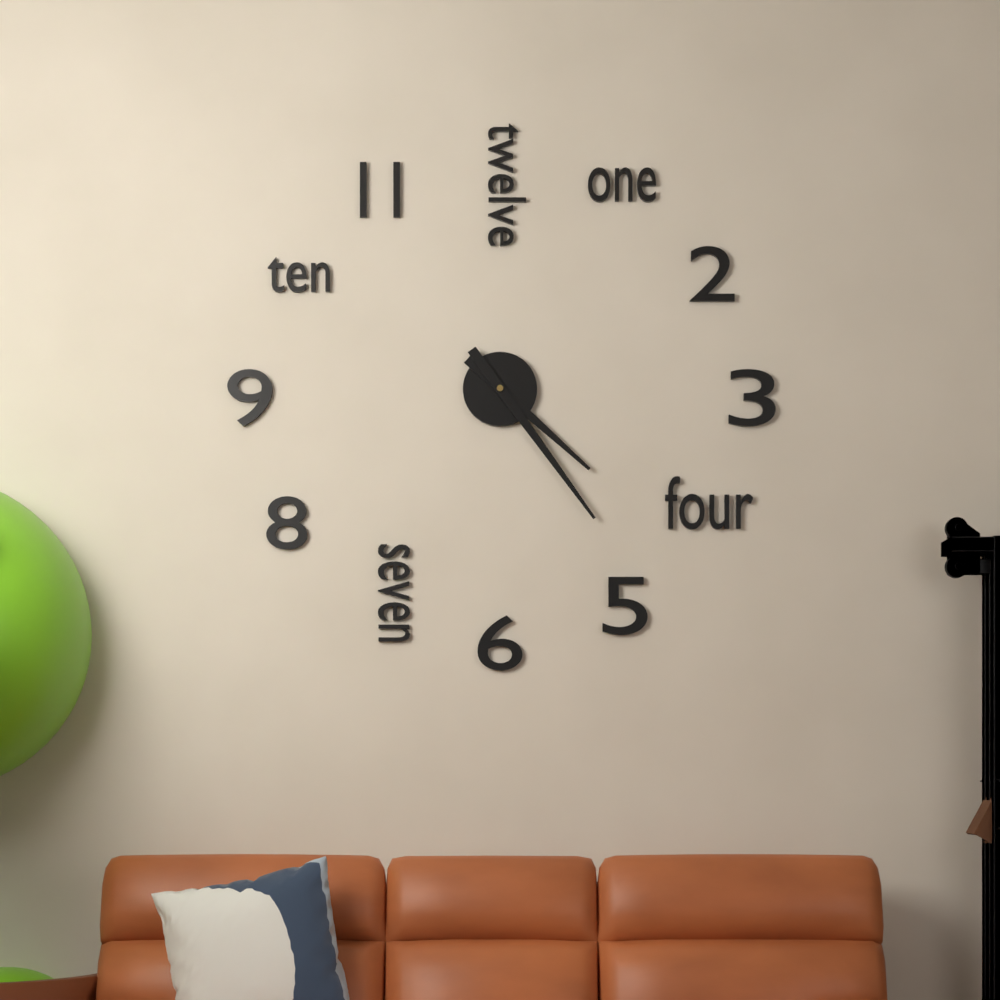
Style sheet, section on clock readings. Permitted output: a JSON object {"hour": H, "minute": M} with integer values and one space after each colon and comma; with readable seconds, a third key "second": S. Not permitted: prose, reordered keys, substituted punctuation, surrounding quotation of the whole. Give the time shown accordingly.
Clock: {"hour": 4, "minute": 24}
